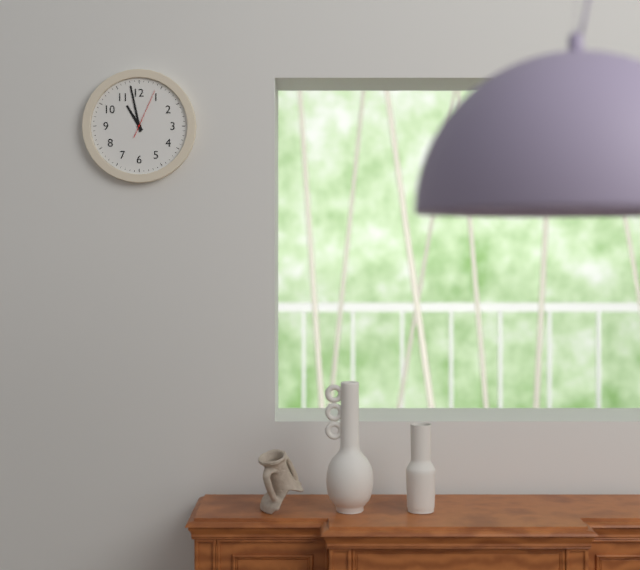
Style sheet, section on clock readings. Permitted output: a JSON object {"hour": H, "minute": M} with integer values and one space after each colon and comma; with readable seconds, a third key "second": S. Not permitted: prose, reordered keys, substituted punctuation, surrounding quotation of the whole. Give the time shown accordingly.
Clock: {"hour": 10, "minute": 58}
